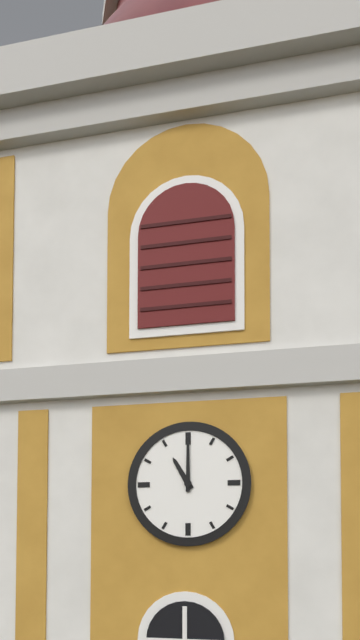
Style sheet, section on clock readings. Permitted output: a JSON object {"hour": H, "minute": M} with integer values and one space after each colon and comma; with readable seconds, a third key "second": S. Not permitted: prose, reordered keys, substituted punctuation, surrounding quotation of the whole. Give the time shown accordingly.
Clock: {"hour": 11, "minute": 0}
